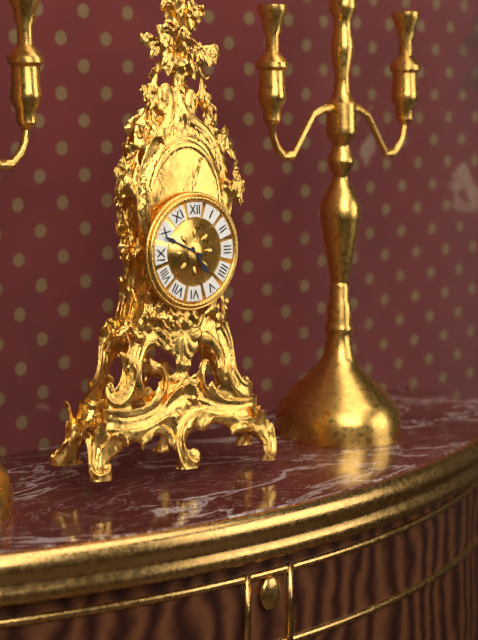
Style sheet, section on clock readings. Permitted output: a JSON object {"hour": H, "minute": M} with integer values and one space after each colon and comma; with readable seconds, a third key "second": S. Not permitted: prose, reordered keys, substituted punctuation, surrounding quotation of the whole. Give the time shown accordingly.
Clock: {"hour": 4, "minute": 49}
